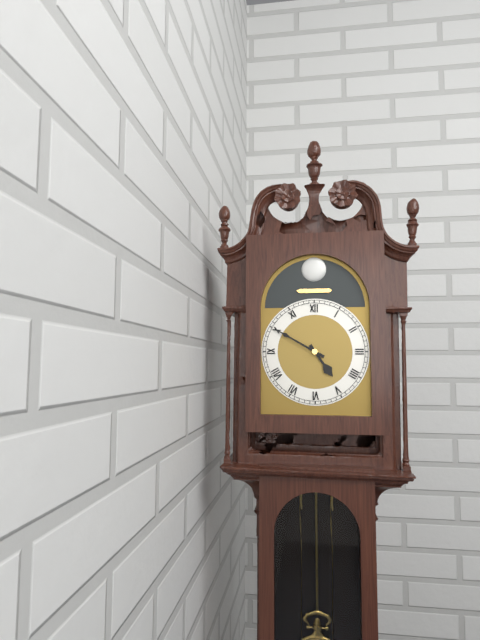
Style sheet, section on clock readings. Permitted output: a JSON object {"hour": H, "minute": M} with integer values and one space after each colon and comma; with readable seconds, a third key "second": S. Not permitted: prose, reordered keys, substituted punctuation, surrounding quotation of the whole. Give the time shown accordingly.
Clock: {"hour": 4, "minute": 50}
